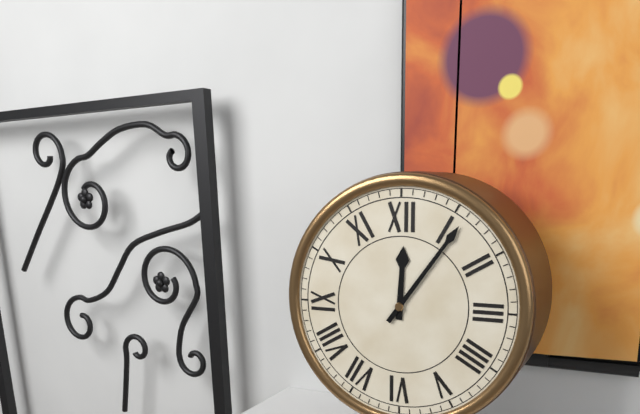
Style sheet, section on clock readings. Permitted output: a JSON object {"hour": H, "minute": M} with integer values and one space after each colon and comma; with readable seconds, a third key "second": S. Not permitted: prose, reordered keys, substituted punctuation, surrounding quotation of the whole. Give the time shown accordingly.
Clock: {"hour": 12, "minute": 6}
